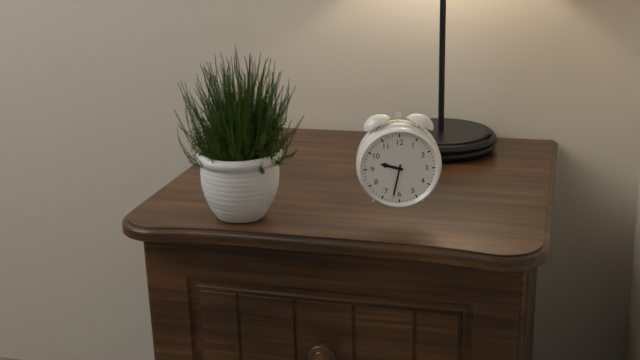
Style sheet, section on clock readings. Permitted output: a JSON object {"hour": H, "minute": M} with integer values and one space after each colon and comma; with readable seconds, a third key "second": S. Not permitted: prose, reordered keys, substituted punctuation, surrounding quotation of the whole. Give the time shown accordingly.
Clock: {"hour": 9, "minute": 32}
